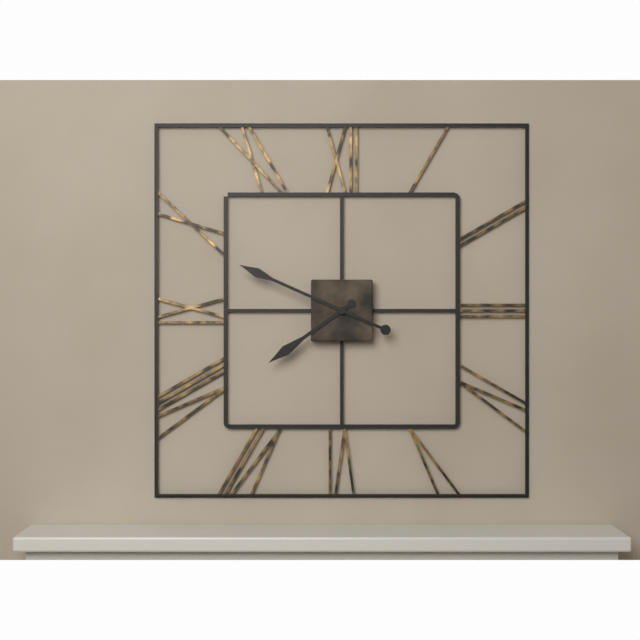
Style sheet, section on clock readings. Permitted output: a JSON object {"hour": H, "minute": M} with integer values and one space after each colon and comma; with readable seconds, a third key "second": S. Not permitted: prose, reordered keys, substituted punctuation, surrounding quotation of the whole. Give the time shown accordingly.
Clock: {"hour": 7, "minute": 49}
